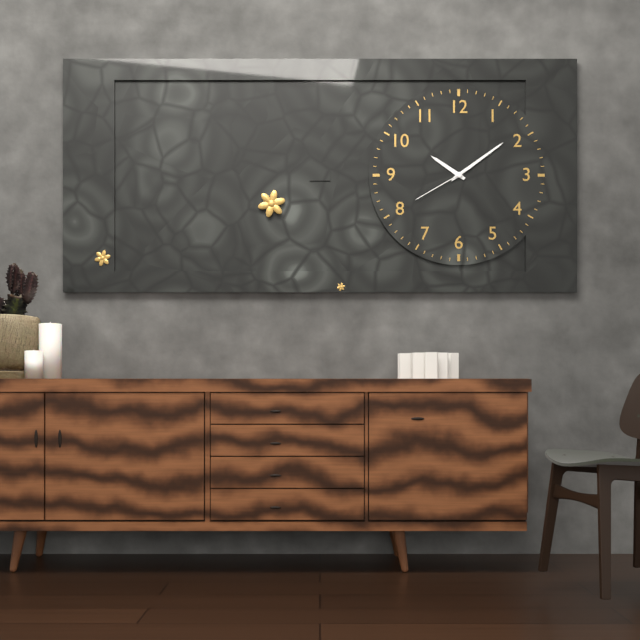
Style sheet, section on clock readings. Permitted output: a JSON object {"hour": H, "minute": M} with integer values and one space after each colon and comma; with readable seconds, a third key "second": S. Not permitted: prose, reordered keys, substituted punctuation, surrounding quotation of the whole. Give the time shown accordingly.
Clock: {"hour": 10, "minute": 9, "second": 40}
